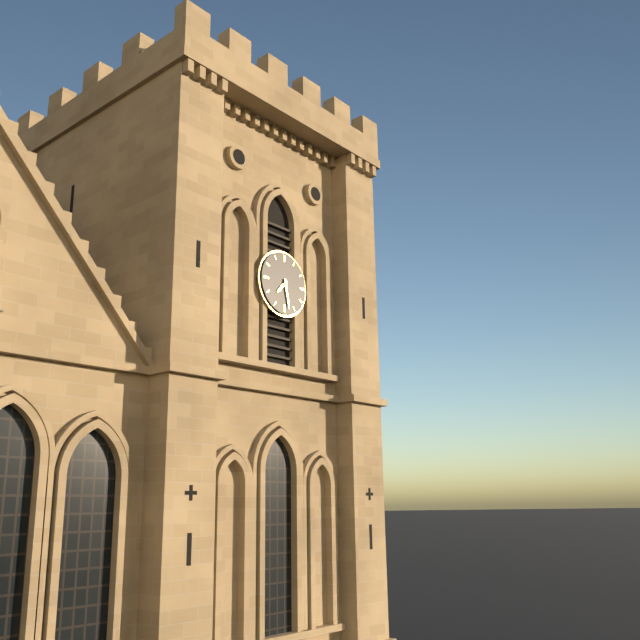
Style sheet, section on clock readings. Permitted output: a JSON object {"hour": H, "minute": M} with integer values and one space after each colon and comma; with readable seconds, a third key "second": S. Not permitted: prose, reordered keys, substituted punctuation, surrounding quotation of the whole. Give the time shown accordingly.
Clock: {"hour": 7, "minute": 28}
